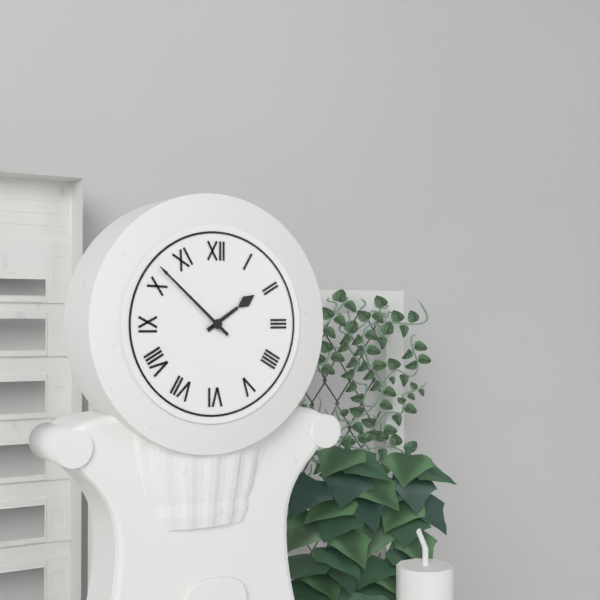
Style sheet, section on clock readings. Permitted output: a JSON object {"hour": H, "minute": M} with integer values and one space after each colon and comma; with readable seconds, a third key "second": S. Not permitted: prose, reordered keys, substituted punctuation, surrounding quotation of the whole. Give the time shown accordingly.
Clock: {"hour": 1, "minute": 52}
